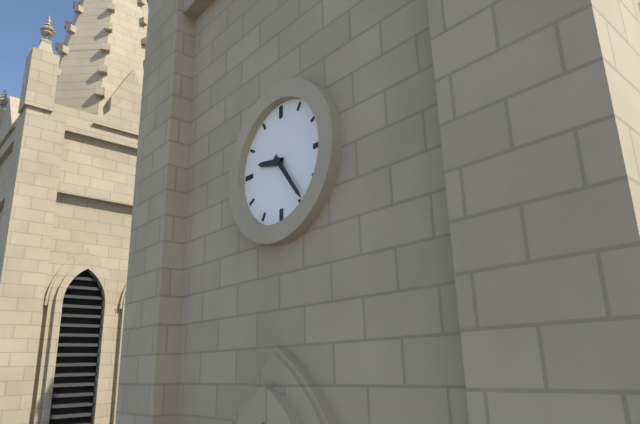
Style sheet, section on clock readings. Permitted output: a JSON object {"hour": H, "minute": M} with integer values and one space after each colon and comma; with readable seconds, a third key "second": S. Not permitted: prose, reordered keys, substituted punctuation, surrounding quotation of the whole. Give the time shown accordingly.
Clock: {"hour": 9, "minute": 24}
